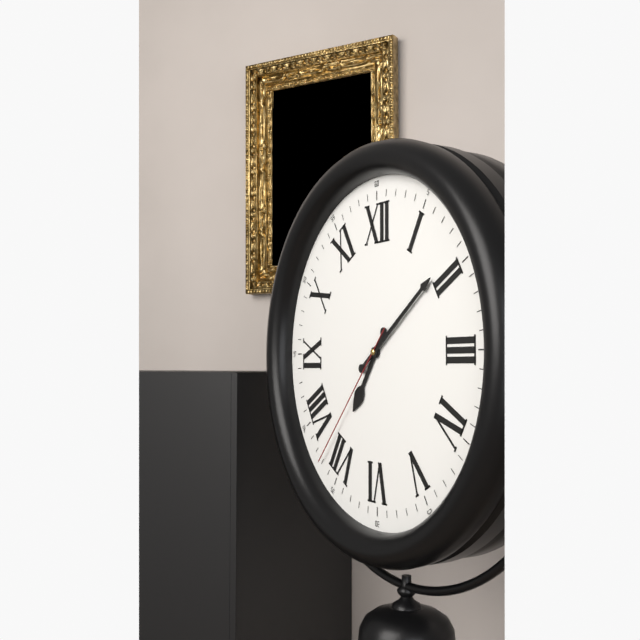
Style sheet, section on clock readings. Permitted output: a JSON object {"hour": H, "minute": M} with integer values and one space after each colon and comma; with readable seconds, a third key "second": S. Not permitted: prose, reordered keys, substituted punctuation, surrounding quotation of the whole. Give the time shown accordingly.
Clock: {"hour": 7, "minute": 9, "second": 37}
